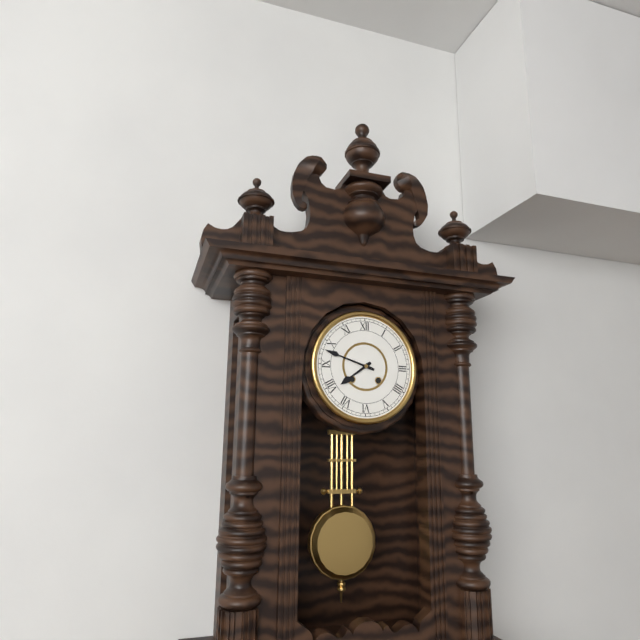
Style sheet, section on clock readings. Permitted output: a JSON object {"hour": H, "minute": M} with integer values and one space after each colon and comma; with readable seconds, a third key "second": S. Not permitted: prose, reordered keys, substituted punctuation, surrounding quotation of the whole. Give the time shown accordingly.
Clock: {"hour": 7, "minute": 48}
